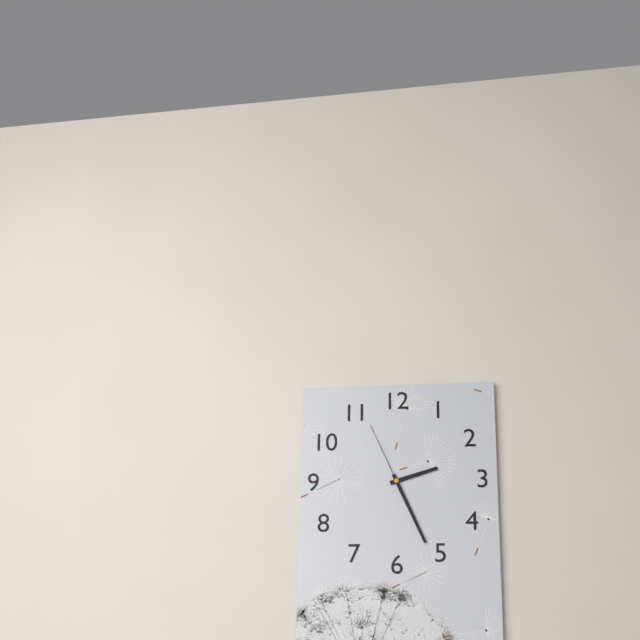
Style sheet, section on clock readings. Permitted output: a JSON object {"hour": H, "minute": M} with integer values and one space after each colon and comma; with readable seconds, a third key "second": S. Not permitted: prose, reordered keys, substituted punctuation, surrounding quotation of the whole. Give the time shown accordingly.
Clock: {"hour": 2, "minute": 26, "second": 56}
